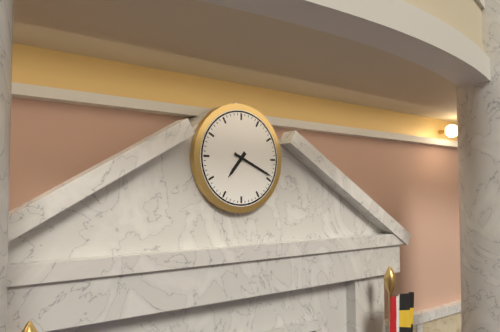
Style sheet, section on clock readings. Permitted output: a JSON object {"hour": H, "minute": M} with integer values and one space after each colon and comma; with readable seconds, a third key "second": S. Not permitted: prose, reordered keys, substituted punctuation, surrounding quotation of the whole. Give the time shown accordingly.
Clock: {"hour": 7, "minute": 19}
